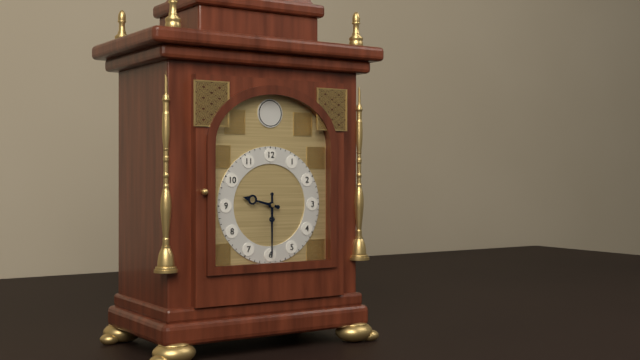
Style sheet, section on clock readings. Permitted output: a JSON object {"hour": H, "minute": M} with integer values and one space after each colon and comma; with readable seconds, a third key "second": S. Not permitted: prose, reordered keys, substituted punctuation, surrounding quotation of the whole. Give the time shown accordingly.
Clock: {"hour": 9, "minute": 30}
